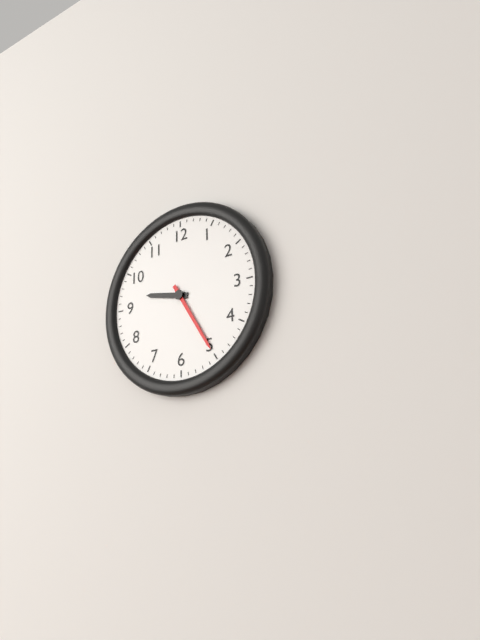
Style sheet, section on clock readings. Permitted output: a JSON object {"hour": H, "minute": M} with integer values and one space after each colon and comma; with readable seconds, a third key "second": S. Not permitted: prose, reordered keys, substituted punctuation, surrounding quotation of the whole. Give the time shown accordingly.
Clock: {"hour": 9, "minute": 25}
